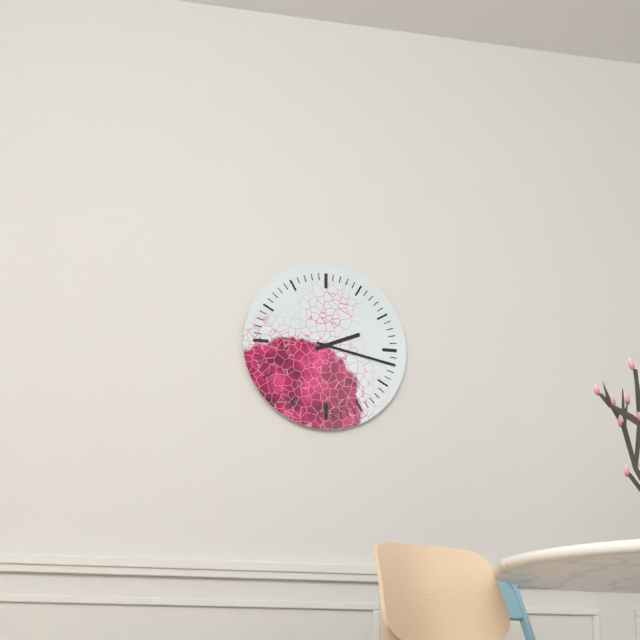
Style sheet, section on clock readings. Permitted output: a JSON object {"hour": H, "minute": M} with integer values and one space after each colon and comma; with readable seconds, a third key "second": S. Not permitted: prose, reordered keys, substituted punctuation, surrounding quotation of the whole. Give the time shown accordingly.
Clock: {"hour": 2, "minute": 17}
